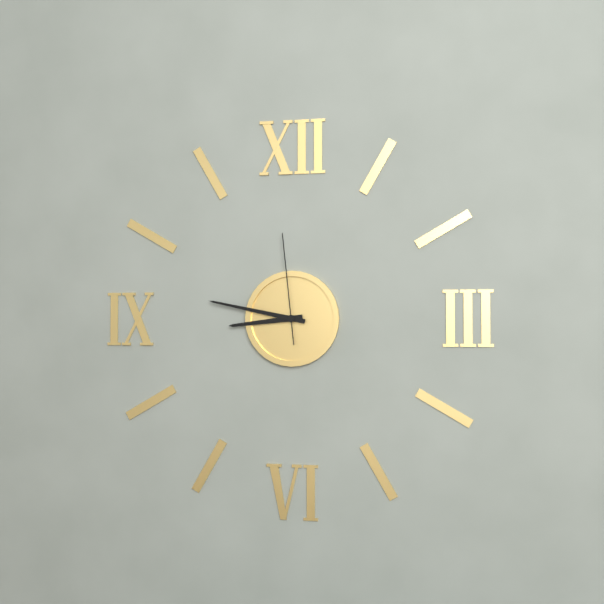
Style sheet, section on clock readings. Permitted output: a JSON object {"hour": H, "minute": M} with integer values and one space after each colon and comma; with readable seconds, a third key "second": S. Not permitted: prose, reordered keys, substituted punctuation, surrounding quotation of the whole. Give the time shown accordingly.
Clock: {"hour": 8, "minute": 47, "second": 59}
